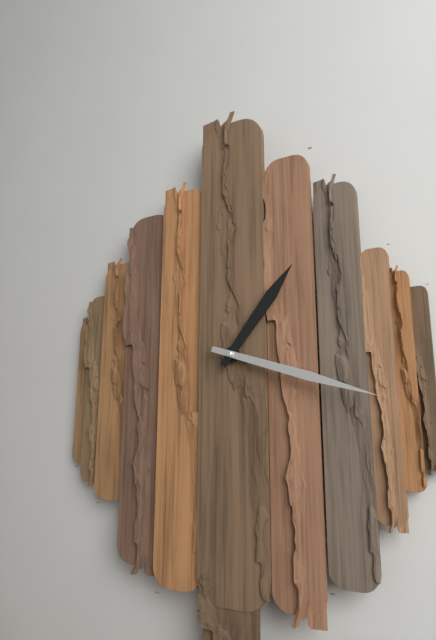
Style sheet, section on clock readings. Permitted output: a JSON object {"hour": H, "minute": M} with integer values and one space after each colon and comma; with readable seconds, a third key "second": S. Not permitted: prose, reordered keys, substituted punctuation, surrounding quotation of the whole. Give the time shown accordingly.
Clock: {"hour": 1, "minute": 18}
